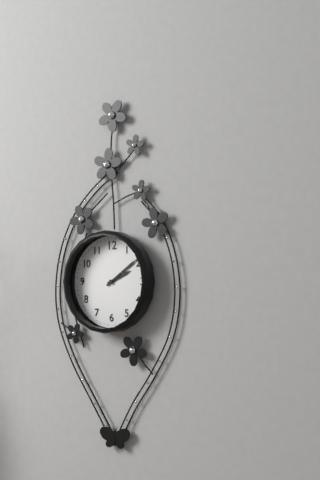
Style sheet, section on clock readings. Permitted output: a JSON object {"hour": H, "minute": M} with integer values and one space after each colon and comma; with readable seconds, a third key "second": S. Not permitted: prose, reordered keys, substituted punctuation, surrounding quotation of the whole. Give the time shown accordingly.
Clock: {"hour": 2, "minute": 9}
